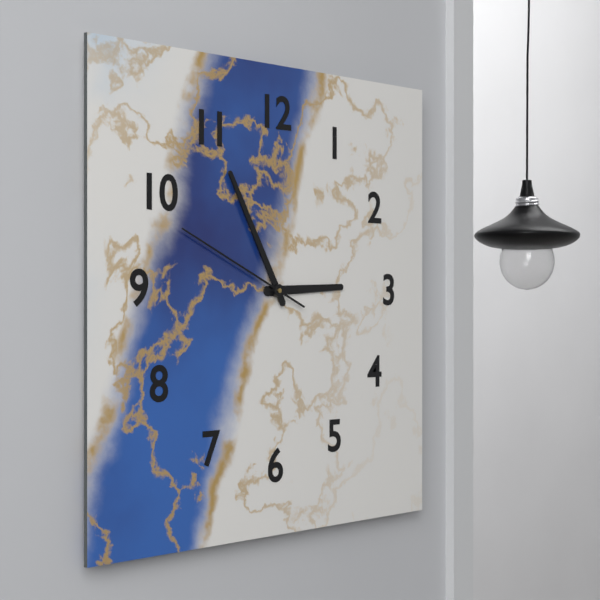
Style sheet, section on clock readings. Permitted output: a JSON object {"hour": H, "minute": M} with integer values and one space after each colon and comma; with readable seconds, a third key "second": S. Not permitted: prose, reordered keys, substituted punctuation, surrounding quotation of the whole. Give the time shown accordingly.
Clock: {"hour": 2, "minute": 55, "second": 49}
